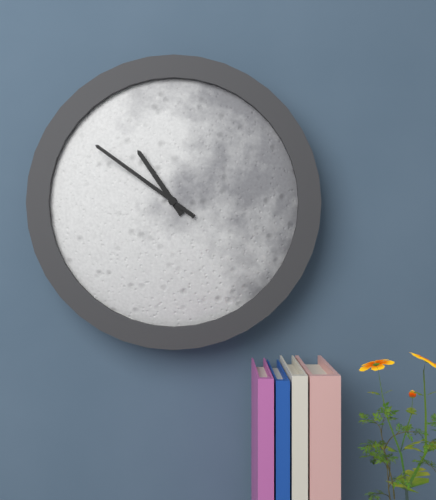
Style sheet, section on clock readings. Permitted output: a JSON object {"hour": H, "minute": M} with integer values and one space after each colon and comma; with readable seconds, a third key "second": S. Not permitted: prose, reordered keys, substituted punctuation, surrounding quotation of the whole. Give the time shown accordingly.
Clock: {"hour": 10, "minute": 51}
